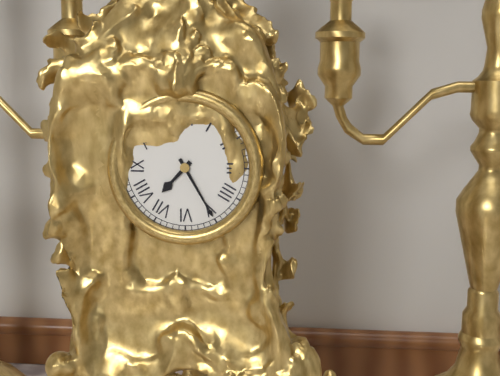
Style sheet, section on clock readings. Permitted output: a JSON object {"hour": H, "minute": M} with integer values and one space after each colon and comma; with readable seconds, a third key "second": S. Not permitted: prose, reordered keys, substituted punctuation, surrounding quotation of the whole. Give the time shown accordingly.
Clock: {"hour": 7, "minute": 25}
